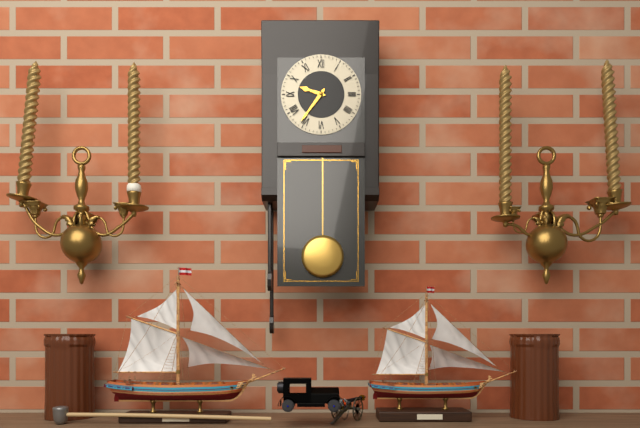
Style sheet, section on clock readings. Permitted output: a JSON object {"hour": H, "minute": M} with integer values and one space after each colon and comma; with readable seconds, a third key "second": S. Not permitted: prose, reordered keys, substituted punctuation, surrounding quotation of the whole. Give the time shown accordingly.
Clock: {"hour": 9, "minute": 36}
